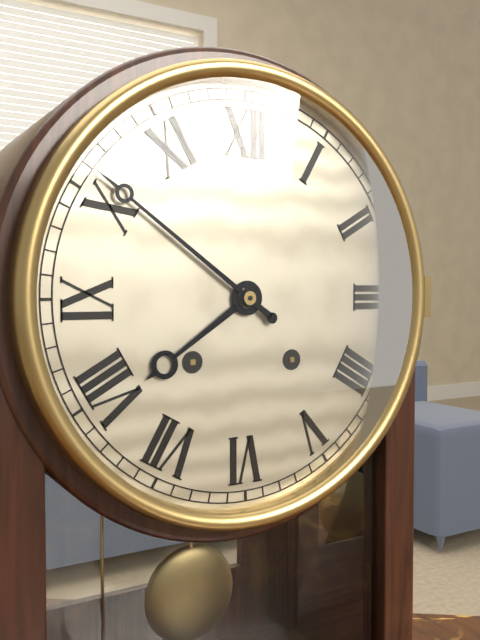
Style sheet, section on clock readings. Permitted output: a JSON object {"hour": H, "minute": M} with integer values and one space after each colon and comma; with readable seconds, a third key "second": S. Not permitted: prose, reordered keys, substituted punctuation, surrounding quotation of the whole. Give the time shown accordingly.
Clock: {"hour": 7, "minute": 51}
